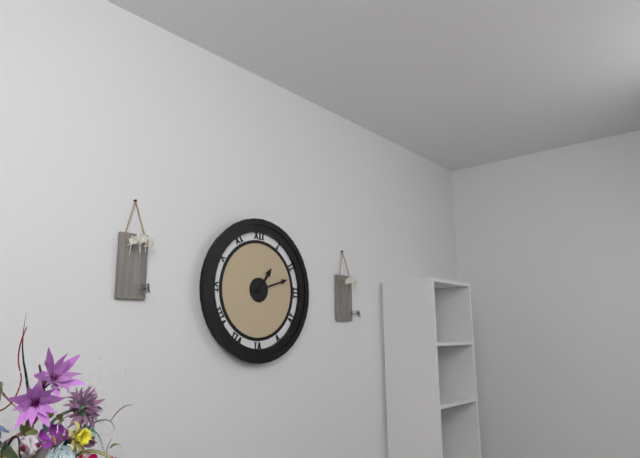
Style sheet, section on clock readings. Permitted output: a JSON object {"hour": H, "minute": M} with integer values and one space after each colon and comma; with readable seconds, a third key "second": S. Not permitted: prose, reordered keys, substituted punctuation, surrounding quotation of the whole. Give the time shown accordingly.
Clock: {"hour": 1, "minute": 12}
